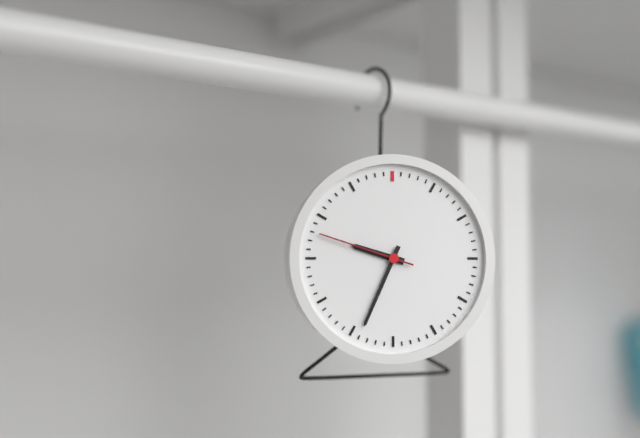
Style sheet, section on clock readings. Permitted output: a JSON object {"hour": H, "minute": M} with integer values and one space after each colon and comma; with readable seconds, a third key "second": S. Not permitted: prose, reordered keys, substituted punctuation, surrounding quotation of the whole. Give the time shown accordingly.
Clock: {"hour": 9, "minute": 34, "second": 48}
